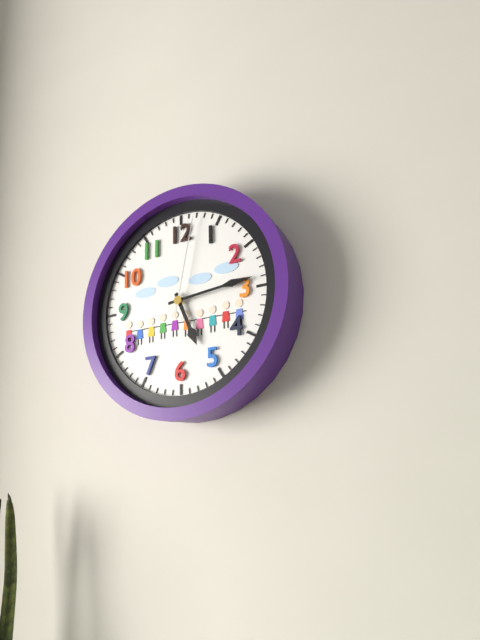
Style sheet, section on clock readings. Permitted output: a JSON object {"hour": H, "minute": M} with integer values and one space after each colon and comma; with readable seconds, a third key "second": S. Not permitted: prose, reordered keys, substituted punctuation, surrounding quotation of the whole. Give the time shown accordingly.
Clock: {"hour": 5, "minute": 14, "second": 2}
